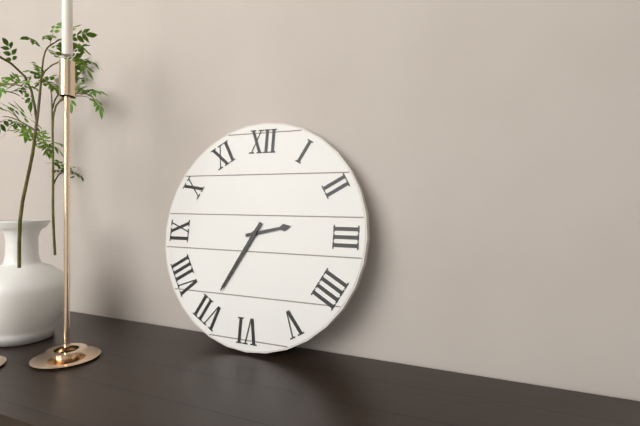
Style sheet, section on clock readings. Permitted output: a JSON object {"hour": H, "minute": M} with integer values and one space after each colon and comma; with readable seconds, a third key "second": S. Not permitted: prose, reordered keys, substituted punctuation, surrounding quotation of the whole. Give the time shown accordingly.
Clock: {"hour": 2, "minute": 35}
